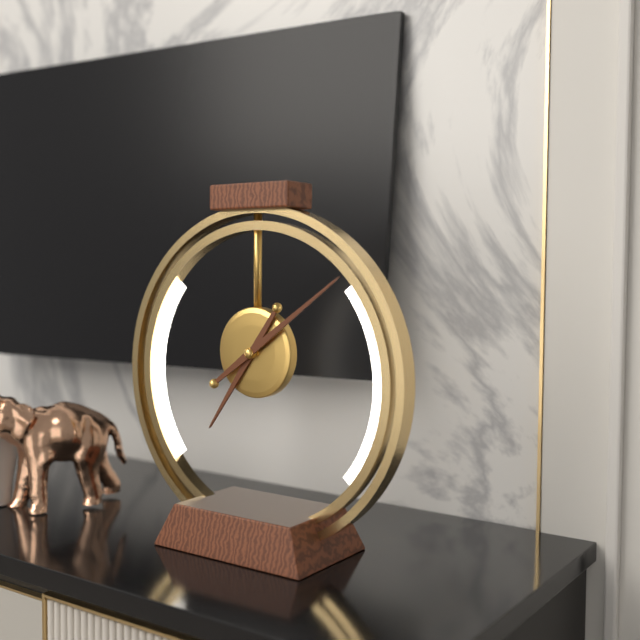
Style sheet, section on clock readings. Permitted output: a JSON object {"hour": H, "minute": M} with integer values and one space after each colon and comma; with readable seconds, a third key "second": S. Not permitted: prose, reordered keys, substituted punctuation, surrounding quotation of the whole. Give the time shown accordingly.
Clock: {"hour": 7, "minute": 9}
